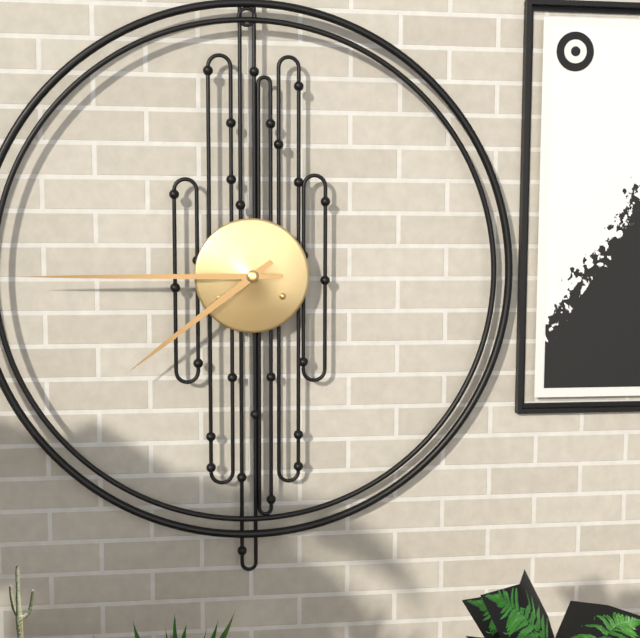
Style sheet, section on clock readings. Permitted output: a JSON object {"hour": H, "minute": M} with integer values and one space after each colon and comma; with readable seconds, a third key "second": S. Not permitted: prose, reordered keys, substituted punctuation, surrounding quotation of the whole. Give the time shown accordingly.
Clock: {"hour": 7, "minute": 45}
